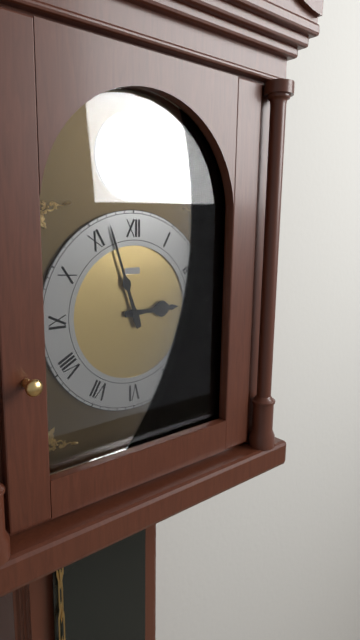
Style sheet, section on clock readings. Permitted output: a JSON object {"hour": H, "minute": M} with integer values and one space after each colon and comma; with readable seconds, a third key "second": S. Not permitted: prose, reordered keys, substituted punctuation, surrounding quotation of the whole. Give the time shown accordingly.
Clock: {"hour": 2, "minute": 57}
